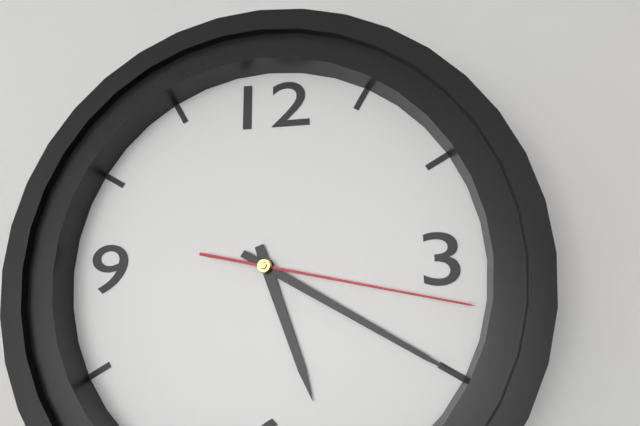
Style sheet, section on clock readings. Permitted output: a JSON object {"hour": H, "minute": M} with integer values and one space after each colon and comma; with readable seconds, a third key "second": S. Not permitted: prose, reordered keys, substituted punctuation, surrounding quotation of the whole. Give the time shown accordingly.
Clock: {"hour": 5, "minute": 20, "second": 17}
